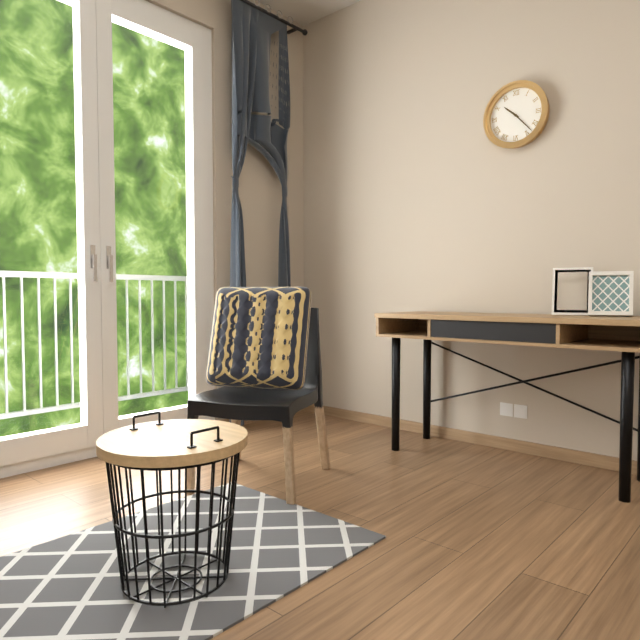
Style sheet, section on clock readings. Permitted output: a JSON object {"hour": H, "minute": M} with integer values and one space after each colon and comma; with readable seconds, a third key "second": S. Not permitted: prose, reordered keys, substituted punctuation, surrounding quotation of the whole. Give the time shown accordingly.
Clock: {"hour": 10, "minute": 23}
